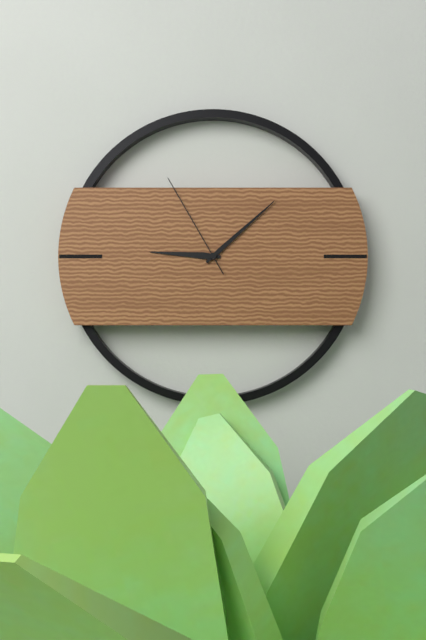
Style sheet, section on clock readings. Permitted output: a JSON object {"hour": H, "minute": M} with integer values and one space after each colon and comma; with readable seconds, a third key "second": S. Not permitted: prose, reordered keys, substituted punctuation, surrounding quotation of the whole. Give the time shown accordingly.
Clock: {"hour": 9, "minute": 8, "second": 55}
